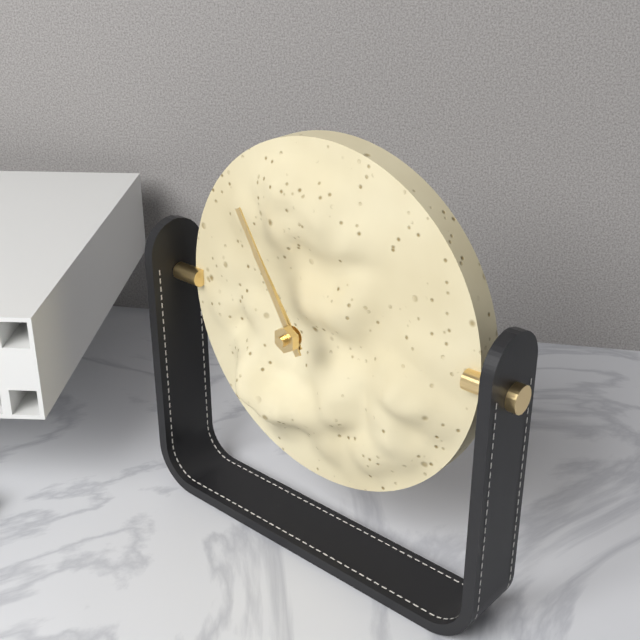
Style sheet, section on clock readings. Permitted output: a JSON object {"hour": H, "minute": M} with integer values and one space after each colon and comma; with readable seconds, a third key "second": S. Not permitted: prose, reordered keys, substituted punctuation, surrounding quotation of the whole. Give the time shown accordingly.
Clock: {"hour": 10, "minute": 55}
